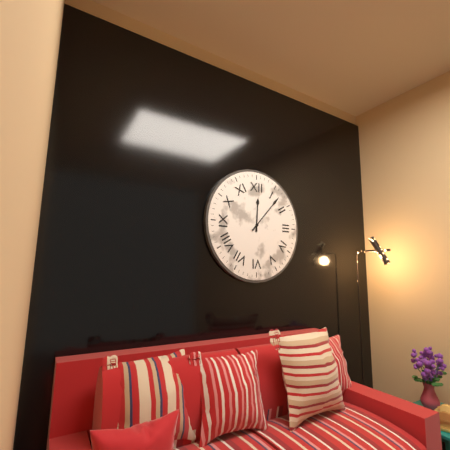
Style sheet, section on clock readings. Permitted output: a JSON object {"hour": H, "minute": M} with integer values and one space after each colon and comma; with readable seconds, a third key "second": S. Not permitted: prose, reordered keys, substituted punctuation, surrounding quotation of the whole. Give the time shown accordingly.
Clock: {"hour": 12, "minute": 7}
